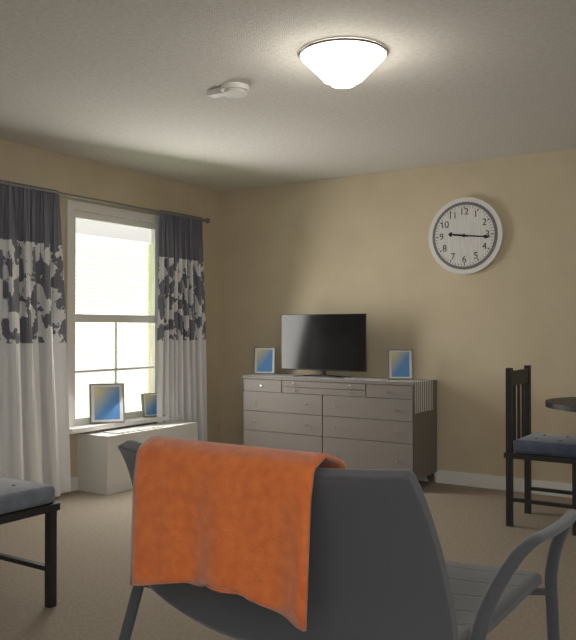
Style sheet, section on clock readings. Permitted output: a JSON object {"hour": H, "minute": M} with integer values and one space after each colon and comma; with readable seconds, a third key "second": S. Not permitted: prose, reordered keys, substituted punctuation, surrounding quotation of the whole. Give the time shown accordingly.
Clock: {"hour": 9, "minute": 16}
